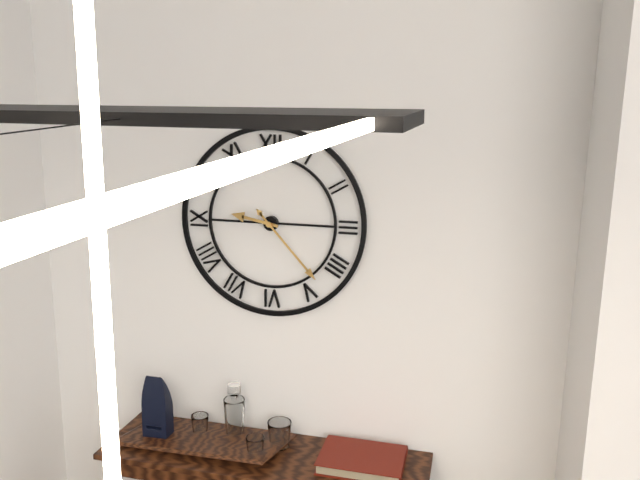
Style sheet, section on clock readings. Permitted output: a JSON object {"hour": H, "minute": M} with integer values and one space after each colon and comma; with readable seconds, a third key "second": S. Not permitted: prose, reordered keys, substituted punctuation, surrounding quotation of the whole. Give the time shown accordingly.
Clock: {"hour": 9, "minute": 23}
